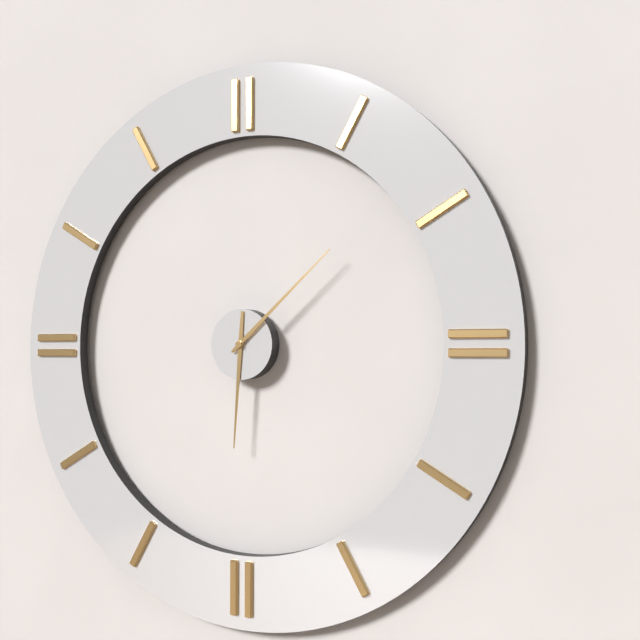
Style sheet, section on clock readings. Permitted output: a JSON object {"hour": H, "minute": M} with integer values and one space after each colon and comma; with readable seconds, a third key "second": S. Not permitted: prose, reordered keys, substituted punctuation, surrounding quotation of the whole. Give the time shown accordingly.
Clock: {"hour": 6, "minute": 8}
